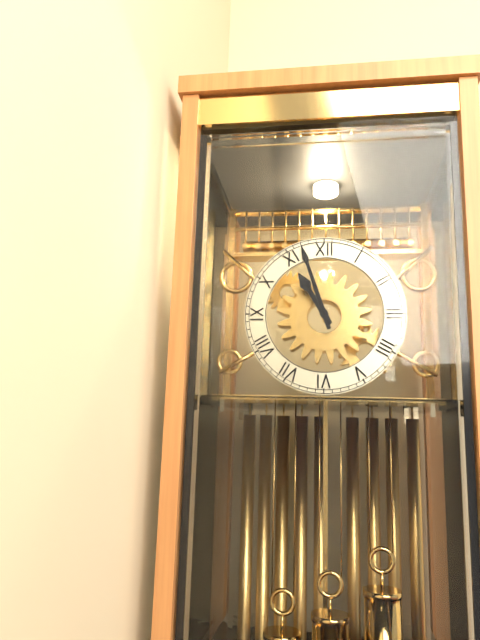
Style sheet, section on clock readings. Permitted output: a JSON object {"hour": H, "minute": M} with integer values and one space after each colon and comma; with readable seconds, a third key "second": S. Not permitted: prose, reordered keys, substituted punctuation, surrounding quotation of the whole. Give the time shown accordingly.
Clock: {"hour": 10, "minute": 57}
